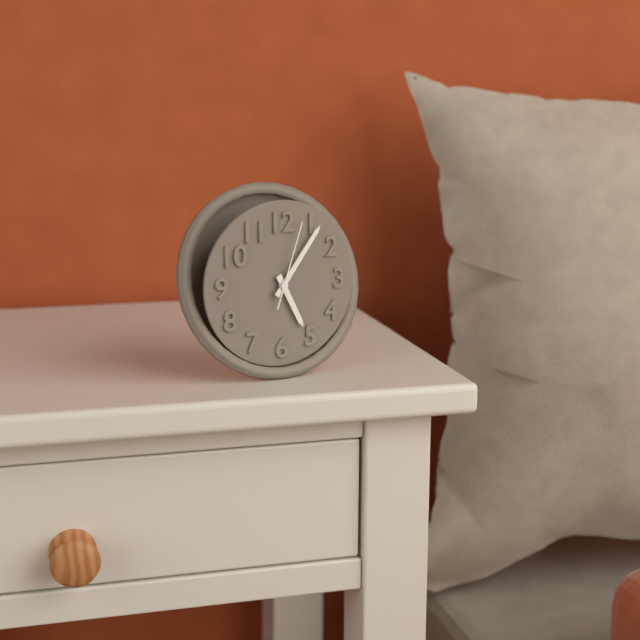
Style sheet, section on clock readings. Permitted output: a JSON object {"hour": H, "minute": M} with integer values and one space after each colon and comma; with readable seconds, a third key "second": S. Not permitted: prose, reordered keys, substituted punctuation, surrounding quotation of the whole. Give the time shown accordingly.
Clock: {"hour": 5, "minute": 6, "second": 3}
